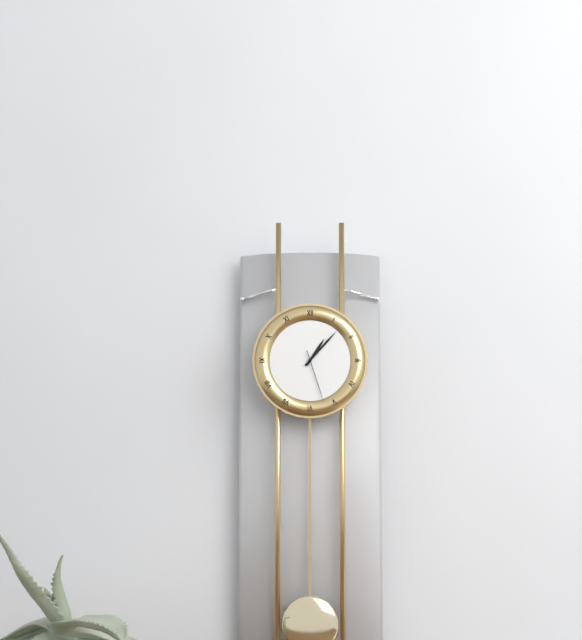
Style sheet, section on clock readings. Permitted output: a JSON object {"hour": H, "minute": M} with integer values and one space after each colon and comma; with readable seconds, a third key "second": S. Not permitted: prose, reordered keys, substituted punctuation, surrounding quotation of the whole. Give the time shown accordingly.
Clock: {"hour": 1, "minute": 7, "second": 27}
